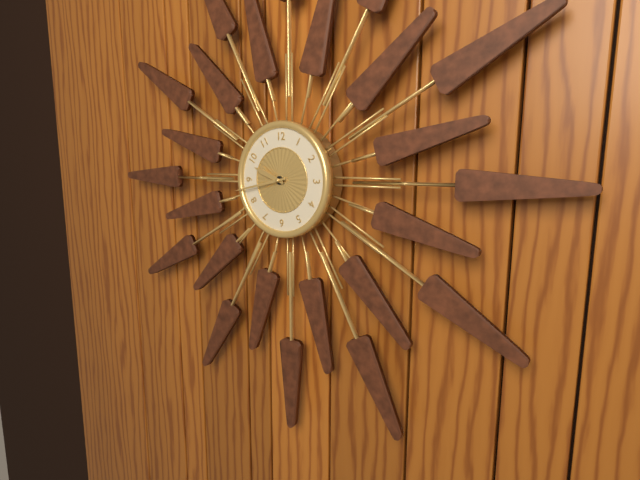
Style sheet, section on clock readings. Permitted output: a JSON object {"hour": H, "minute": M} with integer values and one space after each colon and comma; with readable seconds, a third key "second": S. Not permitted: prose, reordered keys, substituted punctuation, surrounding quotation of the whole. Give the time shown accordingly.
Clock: {"hour": 9, "minute": 43}
